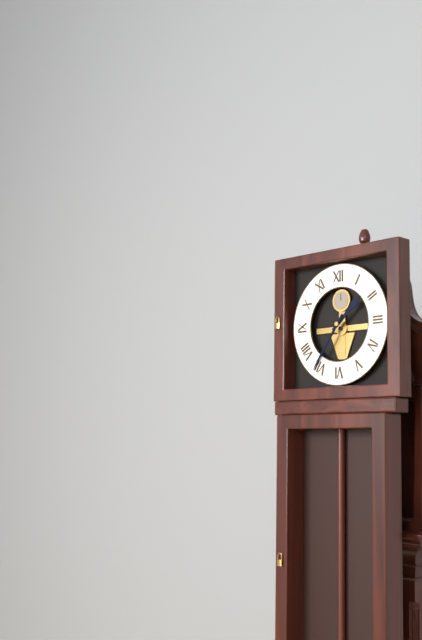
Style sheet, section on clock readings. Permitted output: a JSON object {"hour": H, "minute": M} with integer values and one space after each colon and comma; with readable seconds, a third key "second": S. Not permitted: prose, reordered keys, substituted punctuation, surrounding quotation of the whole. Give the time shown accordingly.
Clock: {"hour": 1, "minute": 36}
